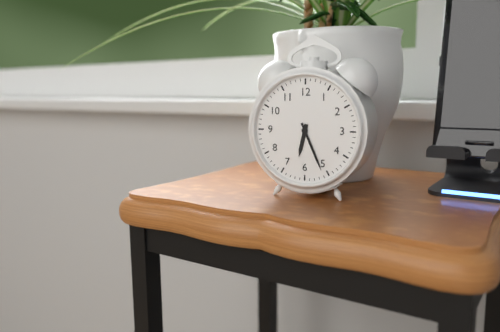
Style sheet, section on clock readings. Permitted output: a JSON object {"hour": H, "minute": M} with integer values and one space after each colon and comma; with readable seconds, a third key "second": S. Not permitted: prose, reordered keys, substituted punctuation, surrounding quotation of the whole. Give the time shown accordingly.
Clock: {"hour": 6, "minute": 26}
